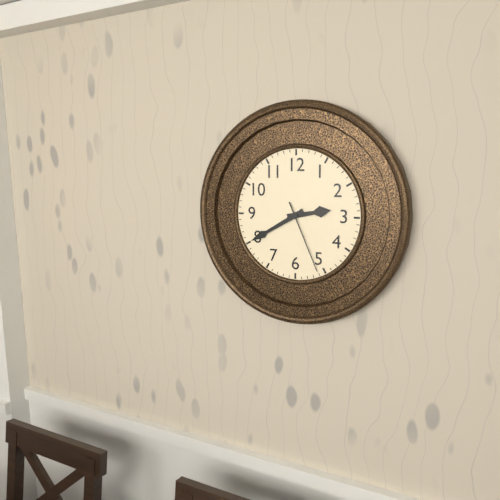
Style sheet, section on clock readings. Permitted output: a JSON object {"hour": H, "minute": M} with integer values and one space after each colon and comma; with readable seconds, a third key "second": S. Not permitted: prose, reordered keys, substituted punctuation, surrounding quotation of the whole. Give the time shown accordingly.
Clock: {"hour": 2, "minute": 40, "second": 26}
